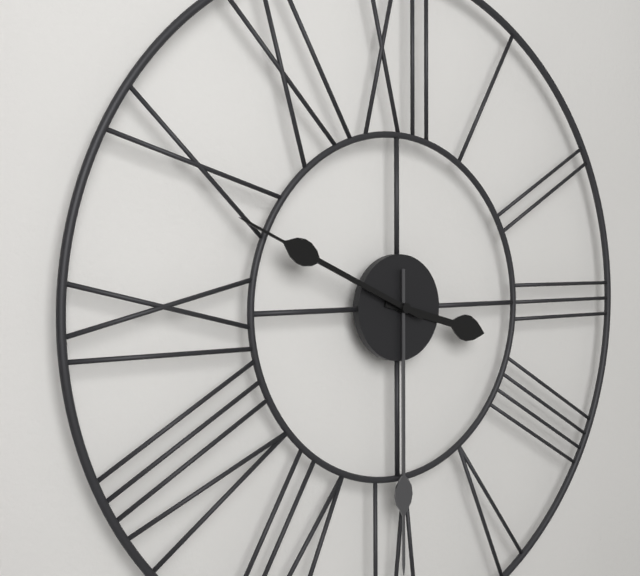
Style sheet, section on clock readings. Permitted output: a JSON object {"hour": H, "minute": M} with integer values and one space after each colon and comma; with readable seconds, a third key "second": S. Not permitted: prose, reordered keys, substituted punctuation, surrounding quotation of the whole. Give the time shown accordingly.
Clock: {"hour": 3, "minute": 30, "second": 49}
